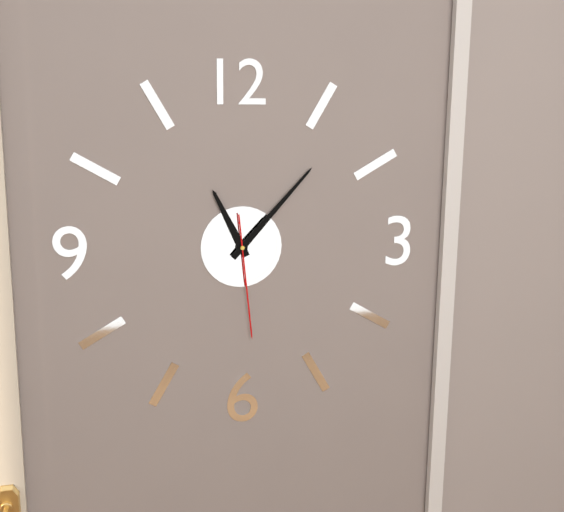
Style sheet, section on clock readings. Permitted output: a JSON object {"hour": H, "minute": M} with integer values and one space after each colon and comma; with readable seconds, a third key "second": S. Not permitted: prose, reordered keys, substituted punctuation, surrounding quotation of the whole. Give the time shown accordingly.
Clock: {"hour": 11, "minute": 7, "second": 29}
